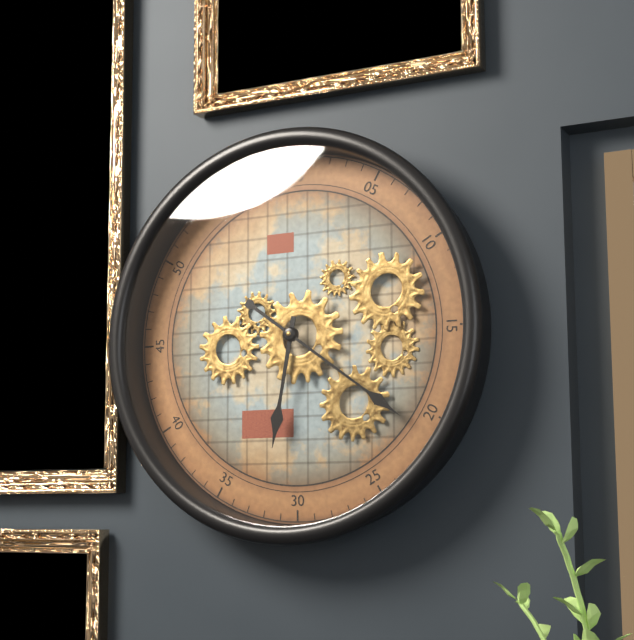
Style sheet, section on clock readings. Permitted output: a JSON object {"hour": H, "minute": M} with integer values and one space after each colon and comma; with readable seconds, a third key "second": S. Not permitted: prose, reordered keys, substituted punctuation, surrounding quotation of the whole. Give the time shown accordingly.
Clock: {"hour": 6, "minute": 21}
